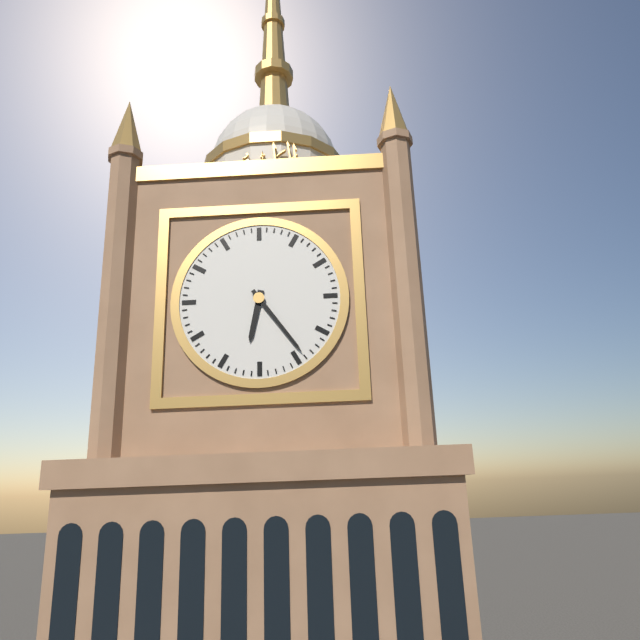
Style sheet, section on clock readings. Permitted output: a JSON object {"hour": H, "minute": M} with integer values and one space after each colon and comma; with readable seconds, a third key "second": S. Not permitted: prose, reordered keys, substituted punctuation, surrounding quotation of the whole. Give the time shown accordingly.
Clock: {"hour": 6, "minute": 24}
